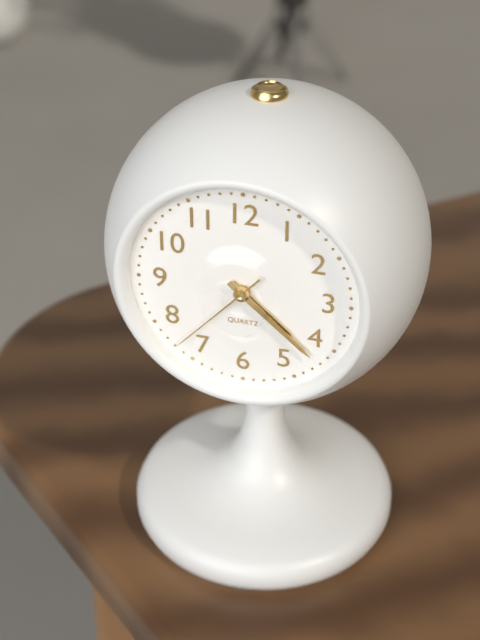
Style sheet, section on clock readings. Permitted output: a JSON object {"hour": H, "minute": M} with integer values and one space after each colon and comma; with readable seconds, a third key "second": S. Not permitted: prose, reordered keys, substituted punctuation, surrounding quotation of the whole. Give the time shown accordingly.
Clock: {"hour": 4, "minute": 22, "second": 37}
